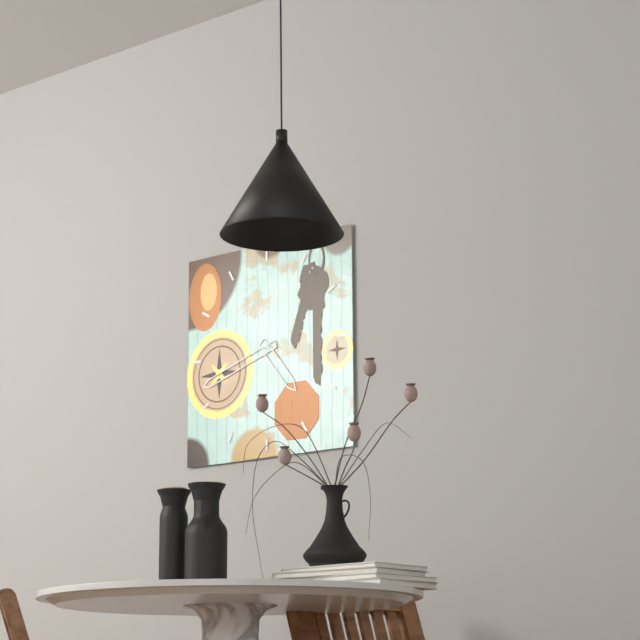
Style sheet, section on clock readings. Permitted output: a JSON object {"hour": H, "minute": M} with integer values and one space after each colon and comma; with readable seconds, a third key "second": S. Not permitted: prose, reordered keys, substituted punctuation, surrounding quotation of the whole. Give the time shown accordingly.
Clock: {"hour": 4, "minute": 42}
